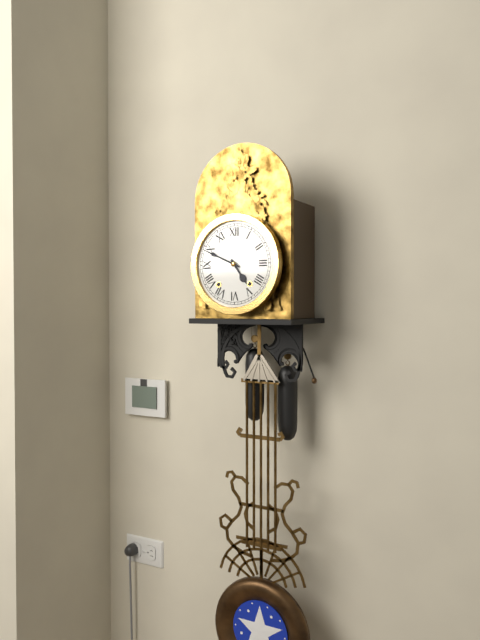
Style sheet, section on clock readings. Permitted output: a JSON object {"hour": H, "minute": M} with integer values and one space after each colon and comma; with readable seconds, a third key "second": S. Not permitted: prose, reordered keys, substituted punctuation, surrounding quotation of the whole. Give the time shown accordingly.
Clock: {"hour": 4, "minute": 49}
